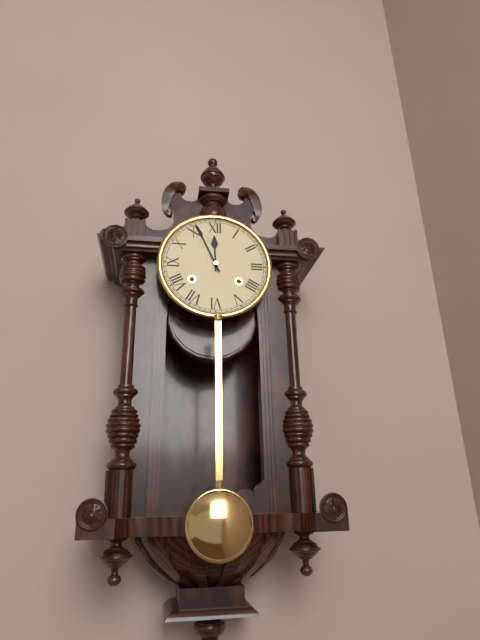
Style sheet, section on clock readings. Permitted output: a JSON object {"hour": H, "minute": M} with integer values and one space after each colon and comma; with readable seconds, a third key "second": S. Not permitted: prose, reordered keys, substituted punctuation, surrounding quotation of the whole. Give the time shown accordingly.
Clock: {"hour": 11, "minute": 56}
